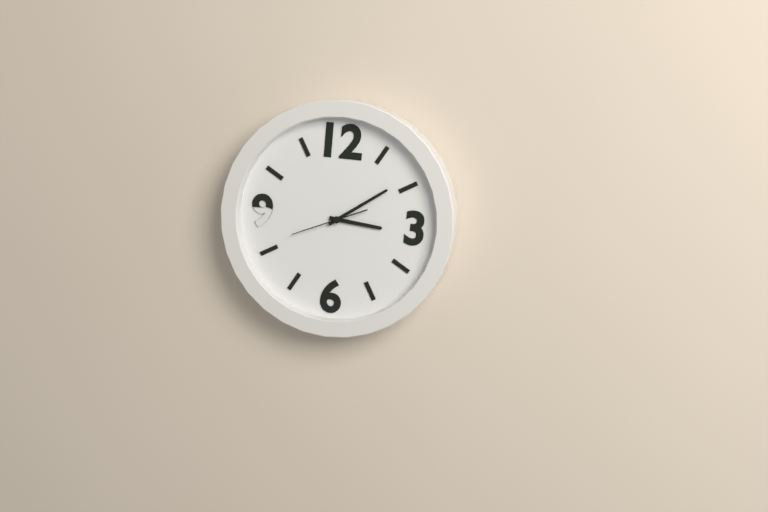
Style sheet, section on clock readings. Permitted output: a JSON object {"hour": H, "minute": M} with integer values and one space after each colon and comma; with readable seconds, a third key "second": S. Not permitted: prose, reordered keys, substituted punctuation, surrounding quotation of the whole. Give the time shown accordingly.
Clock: {"hour": 3, "minute": 9, "second": 41}
